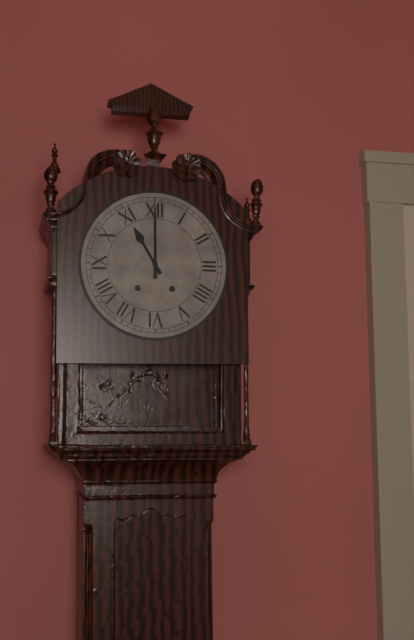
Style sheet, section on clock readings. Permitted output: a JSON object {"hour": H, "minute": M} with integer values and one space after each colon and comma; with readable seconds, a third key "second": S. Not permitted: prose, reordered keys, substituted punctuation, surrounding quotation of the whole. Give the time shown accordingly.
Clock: {"hour": 11, "minute": 0}
